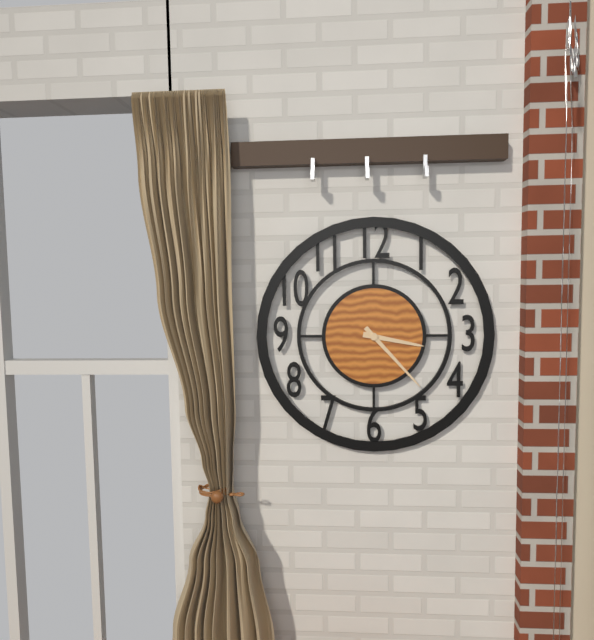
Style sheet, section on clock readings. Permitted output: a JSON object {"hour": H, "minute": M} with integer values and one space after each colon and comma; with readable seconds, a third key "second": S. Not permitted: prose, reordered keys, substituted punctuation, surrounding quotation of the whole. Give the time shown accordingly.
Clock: {"hour": 3, "minute": 23}
